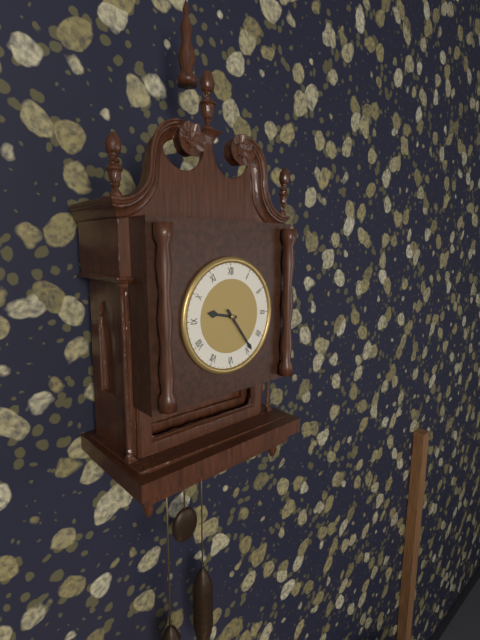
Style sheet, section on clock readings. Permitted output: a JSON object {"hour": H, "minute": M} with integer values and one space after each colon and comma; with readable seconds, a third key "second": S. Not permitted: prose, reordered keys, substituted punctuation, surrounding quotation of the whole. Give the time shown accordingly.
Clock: {"hour": 9, "minute": 24}
